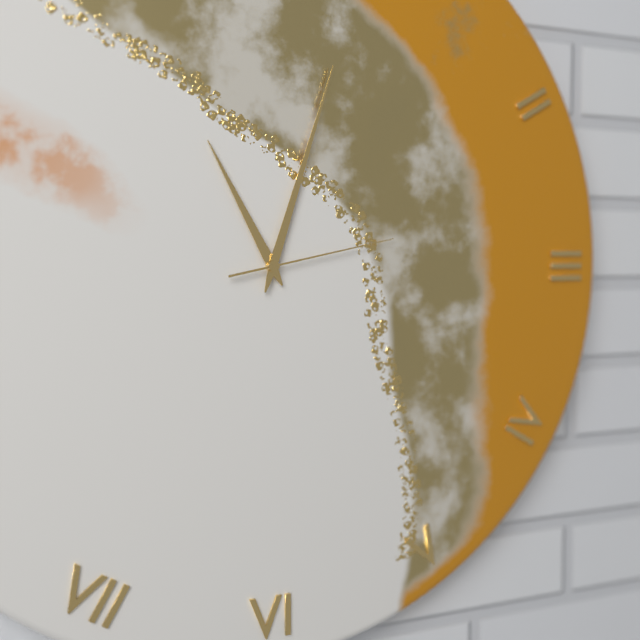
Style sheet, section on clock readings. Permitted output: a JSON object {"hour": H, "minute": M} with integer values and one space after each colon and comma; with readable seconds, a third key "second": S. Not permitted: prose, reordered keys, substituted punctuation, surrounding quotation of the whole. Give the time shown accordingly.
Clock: {"hour": 11, "minute": 3, "second": 13}
